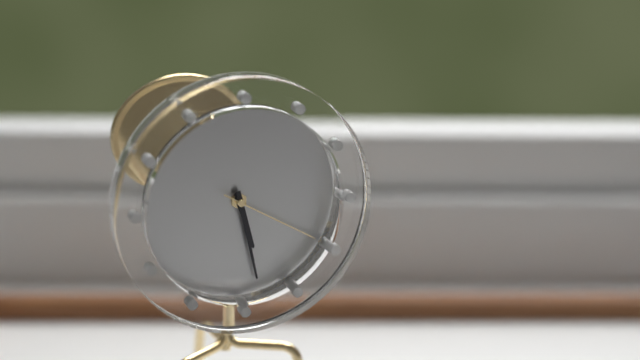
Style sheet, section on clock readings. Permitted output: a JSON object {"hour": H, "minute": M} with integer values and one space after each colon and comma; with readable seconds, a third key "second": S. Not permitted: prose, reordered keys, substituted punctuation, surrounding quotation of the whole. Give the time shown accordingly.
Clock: {"hour": 5, "minute": 28, "second": 20}
